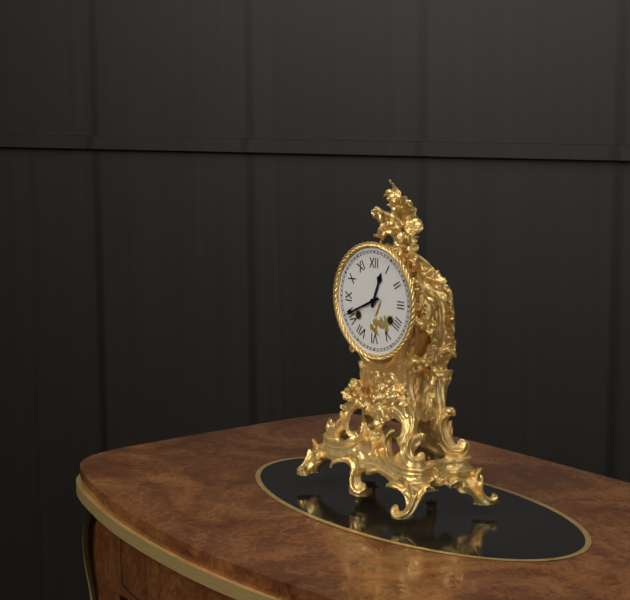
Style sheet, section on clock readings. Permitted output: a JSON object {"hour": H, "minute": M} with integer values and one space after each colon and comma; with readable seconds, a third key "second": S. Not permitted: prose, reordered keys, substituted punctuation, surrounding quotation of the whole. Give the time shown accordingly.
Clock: {"hour": 12, "minute": 41}
